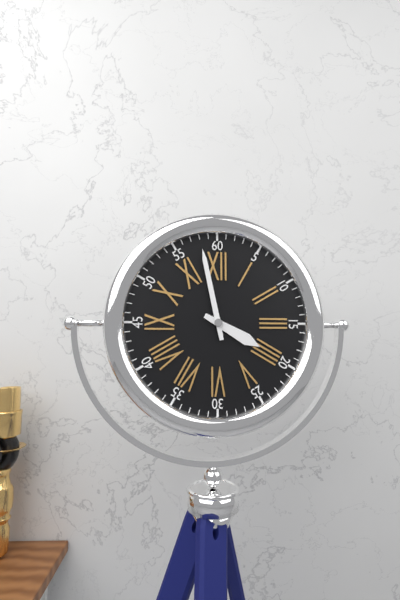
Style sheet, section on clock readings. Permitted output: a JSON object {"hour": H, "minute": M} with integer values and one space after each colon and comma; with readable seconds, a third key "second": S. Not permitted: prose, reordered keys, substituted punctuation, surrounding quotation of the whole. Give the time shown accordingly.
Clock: {"hour": 3, "minute": 58}
